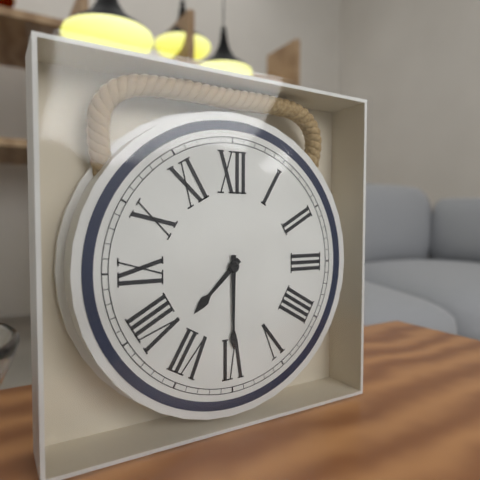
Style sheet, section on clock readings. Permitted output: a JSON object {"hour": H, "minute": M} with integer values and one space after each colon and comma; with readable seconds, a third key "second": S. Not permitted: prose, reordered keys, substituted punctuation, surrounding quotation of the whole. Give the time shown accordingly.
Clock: {"hour": 7, "minute": 30}
